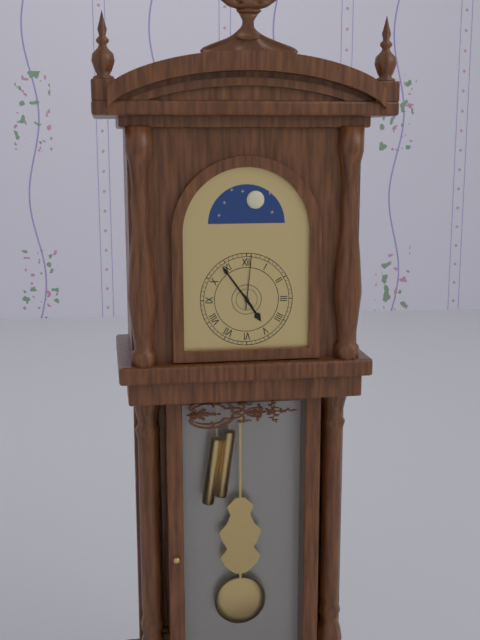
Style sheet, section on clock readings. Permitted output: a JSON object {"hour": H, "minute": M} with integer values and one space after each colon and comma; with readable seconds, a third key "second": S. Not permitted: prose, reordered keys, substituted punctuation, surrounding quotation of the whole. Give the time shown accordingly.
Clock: {"hour": 4, "minute": 54, "second": 1}
